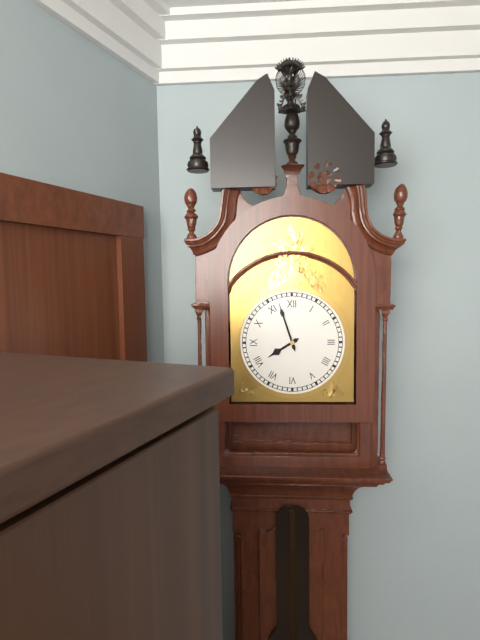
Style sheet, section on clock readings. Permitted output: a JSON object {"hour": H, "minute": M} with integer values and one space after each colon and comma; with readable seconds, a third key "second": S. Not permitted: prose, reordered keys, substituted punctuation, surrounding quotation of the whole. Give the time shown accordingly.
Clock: {"hour": 7, "minute": 57}
